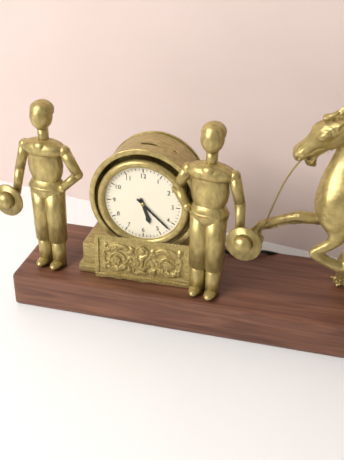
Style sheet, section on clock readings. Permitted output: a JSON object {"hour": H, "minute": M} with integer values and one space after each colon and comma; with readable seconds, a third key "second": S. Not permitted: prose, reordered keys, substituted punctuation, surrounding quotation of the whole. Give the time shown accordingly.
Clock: {"hour": 5, "minute": 22}
